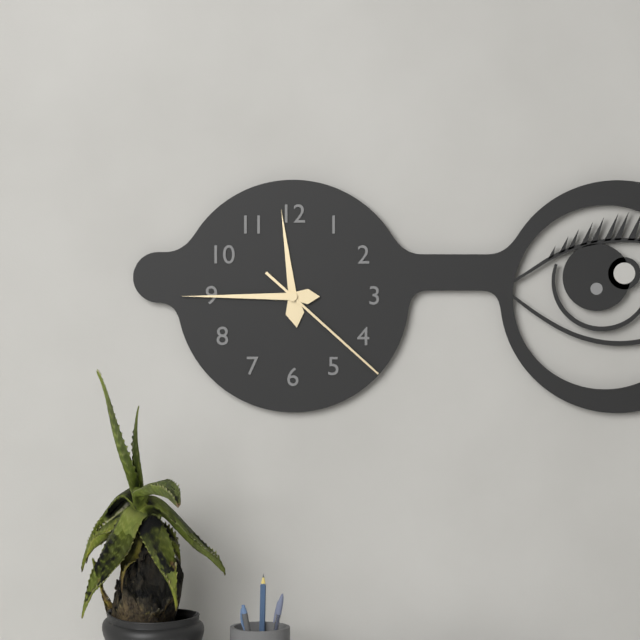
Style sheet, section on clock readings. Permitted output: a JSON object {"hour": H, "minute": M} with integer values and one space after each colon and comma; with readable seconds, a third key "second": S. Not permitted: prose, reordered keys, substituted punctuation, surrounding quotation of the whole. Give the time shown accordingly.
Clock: {"hour": 11, "minute": 45, "second": 22}
